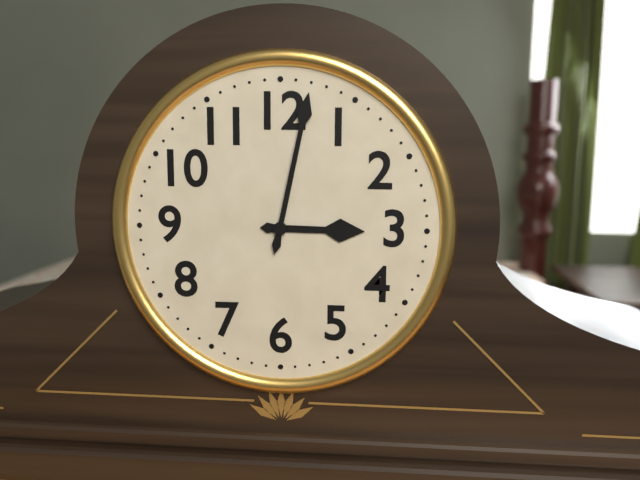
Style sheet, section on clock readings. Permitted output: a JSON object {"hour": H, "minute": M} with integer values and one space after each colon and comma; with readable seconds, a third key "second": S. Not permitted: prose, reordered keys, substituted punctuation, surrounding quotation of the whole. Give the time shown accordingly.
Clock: {"hour": 3, "minute": 2}
